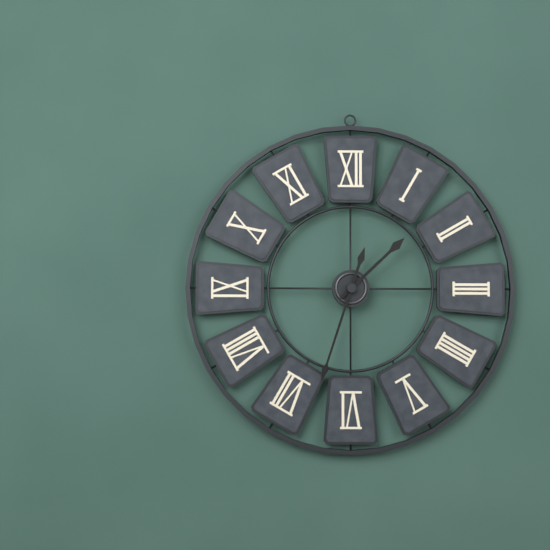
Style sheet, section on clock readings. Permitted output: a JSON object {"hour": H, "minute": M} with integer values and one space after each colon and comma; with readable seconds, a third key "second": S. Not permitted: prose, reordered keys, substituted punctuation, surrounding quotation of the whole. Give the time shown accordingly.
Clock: {"hour": 1, "minute": 33}
